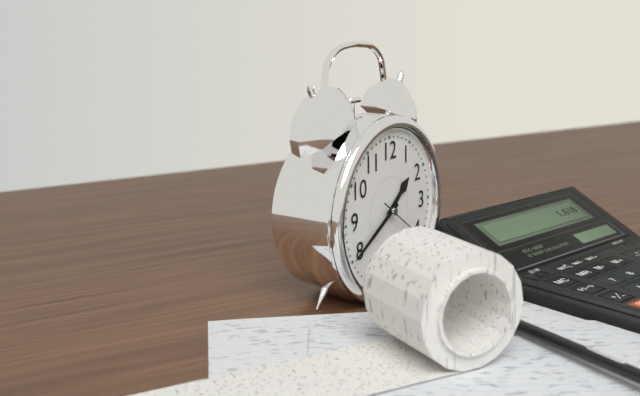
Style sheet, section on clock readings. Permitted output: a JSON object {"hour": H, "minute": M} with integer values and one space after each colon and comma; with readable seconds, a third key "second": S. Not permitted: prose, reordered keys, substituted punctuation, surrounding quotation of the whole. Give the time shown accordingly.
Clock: {"hour": 1, "minute": 40}
